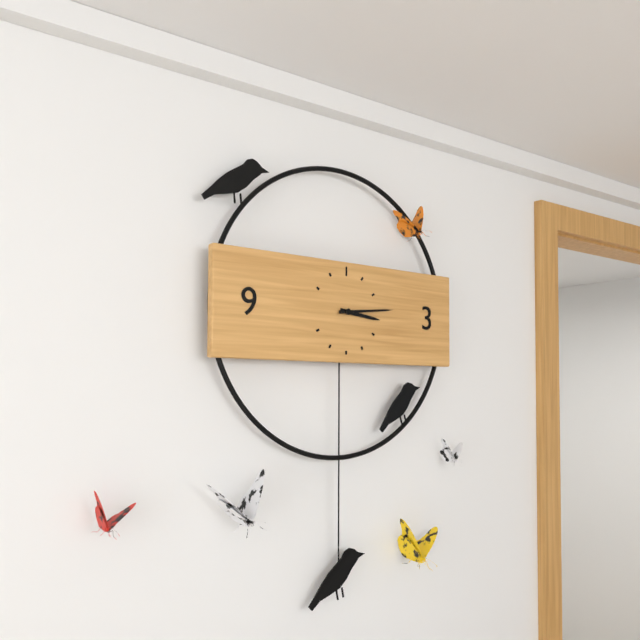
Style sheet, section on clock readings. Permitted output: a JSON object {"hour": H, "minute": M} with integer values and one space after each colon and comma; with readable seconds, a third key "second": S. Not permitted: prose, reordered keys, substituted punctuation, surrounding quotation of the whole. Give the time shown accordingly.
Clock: {"hour": 3, "minute": 14}
